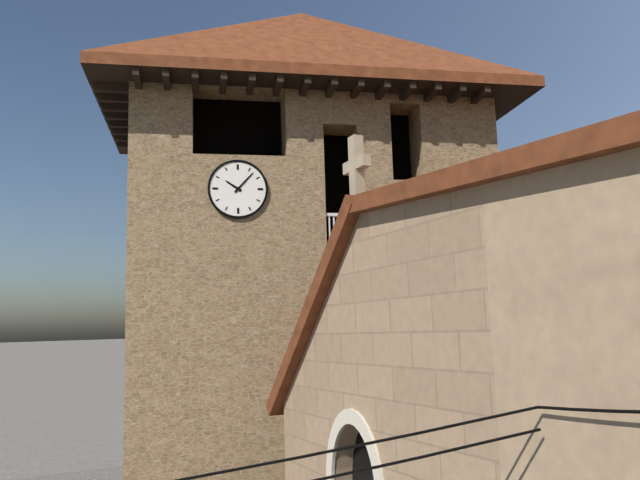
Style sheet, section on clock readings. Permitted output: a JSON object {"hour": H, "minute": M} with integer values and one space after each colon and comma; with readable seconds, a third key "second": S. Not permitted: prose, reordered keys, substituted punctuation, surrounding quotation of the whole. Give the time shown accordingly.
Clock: {"hour": 10, "minute": 7}
